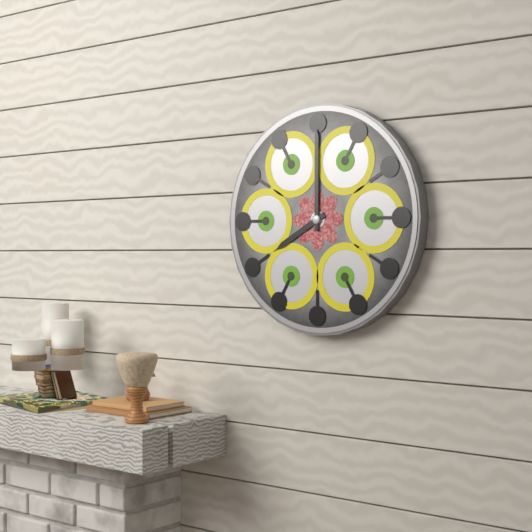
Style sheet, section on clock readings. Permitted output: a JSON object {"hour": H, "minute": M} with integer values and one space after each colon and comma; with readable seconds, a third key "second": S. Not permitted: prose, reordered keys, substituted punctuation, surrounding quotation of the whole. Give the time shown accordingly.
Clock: {"hour": 8, "minute": 0}
